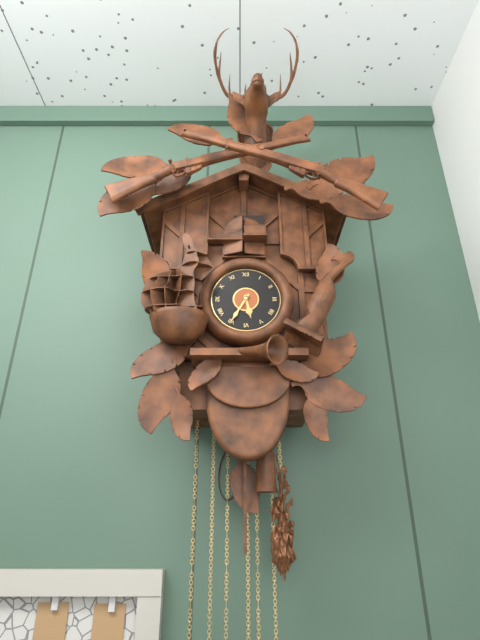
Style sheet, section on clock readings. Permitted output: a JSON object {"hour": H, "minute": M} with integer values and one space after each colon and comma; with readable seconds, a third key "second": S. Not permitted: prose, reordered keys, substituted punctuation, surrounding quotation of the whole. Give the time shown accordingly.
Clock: {"hour": 5, "minute": 35}
